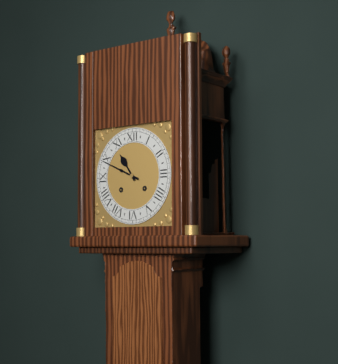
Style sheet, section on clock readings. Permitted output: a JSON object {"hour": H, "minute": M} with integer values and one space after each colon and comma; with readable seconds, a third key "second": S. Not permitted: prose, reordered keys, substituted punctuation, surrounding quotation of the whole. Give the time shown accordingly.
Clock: {"hour": 10, "minute": 49}
